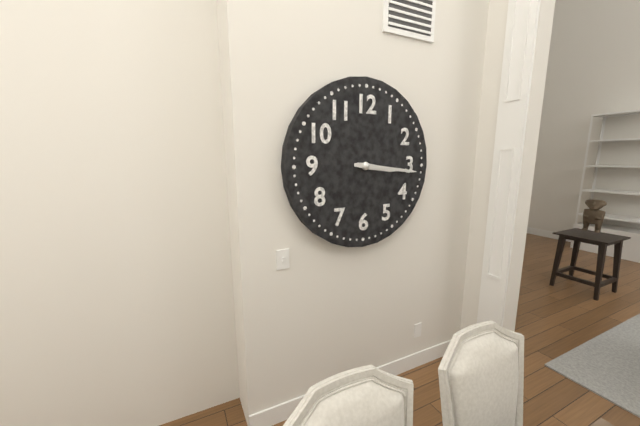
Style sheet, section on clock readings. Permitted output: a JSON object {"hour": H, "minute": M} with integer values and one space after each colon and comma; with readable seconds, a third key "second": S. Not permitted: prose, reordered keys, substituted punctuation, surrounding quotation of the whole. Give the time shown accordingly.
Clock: {"hour": 3, "minute": 16}
